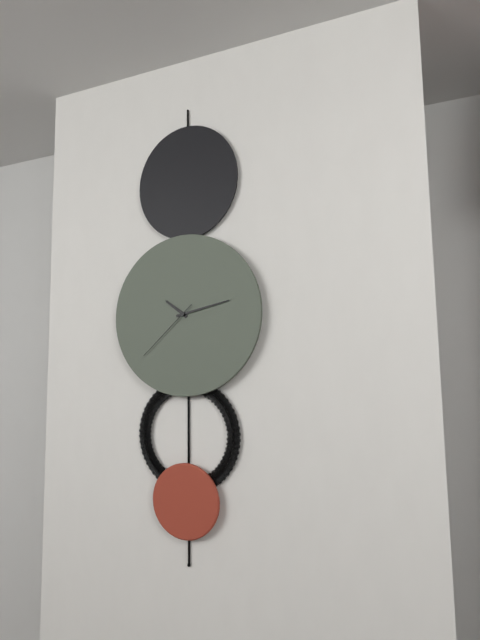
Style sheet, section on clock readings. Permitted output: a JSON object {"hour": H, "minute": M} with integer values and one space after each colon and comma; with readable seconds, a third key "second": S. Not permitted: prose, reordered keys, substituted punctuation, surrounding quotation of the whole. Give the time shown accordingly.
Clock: {"hour": 10, "minute": 13, "second": 38}
